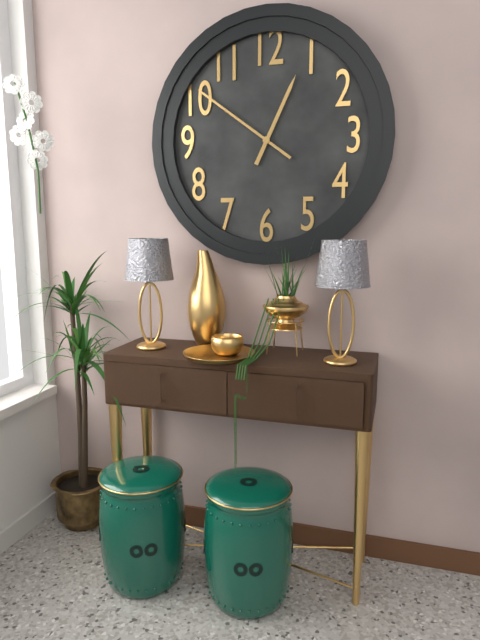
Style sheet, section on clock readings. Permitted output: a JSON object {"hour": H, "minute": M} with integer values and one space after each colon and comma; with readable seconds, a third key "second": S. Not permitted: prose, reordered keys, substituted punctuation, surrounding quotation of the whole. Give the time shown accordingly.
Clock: {"hour": 12, "minute": 51}
